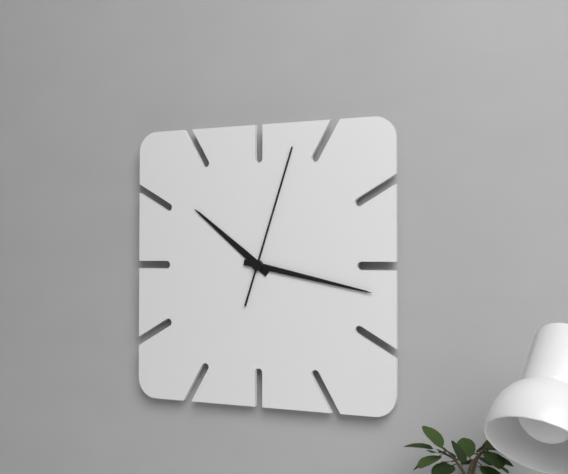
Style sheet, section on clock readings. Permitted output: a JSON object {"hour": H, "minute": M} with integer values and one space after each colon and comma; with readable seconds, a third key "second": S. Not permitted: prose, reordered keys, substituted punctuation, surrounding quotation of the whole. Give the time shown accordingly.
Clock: {"hour": 10, "minute": 17, "second": 3}
